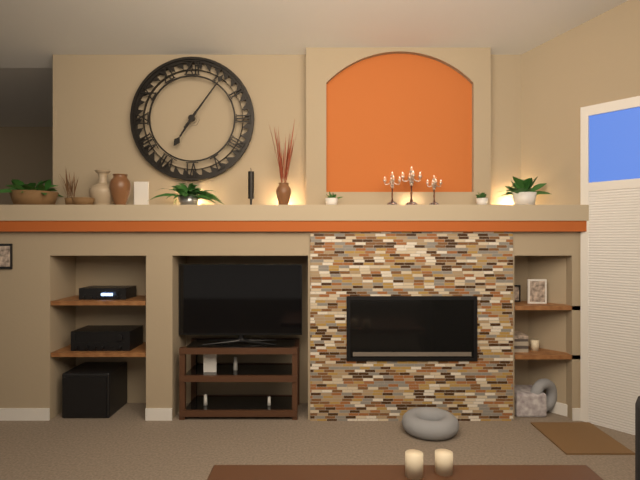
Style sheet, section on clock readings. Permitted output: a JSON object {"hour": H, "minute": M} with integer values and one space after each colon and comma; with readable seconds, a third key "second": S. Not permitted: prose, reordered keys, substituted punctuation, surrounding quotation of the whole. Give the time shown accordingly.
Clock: {"hour": 7, "minute": 6}
